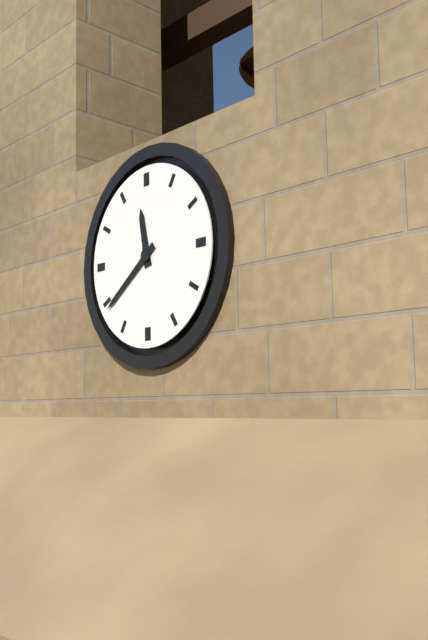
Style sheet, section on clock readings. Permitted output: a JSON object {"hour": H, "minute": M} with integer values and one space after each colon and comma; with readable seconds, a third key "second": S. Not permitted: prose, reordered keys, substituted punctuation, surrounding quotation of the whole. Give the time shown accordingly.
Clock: {"hour": 11, "minute": 39}
